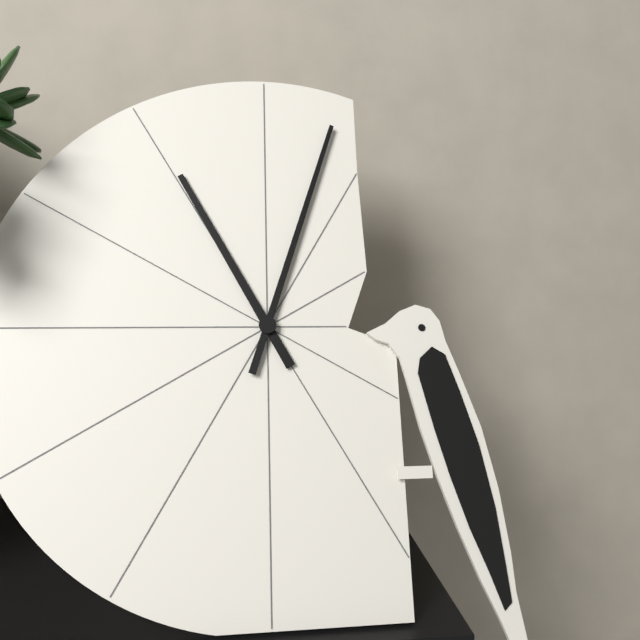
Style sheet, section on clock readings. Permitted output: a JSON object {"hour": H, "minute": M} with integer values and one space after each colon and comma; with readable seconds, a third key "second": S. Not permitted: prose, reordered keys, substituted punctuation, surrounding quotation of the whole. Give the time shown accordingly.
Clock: {"hour": 11, "minute": 3}
